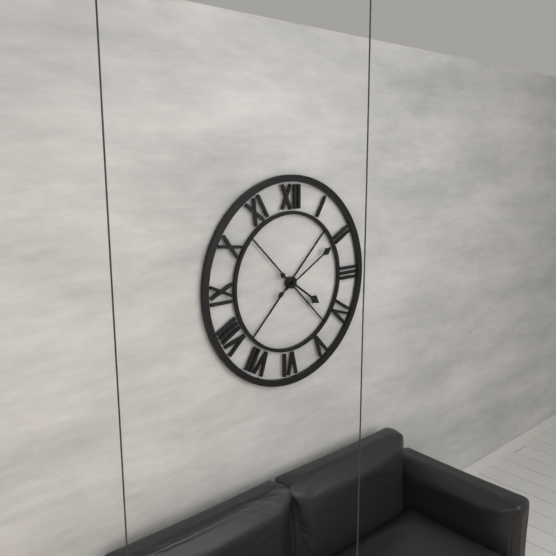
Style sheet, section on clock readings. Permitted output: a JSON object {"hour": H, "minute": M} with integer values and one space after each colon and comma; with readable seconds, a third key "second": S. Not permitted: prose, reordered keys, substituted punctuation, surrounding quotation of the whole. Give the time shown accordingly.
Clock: {"hour": 4, "minute": 10}
